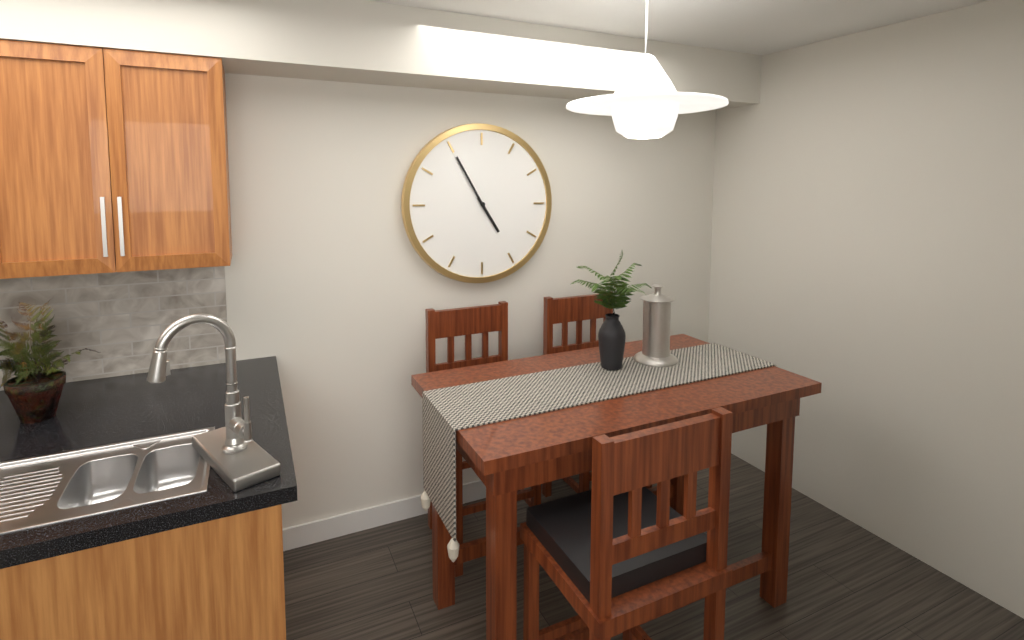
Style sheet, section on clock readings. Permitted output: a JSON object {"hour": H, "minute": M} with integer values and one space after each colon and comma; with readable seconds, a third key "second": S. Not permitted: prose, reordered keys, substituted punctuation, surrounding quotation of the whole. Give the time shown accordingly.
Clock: {"hour": 4, "minute": 55}
